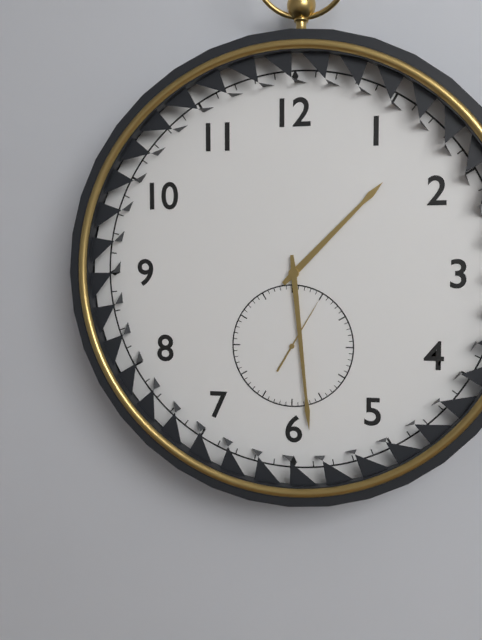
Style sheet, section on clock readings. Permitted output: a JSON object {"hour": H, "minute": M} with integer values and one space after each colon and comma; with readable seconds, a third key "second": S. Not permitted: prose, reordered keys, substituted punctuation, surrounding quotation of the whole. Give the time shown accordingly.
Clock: {"hour": 1, "minute": 29, "second": 5}
